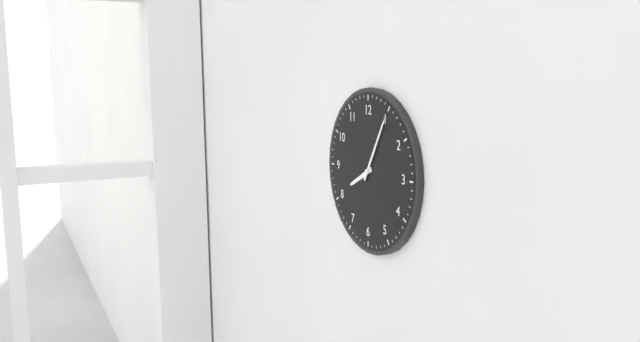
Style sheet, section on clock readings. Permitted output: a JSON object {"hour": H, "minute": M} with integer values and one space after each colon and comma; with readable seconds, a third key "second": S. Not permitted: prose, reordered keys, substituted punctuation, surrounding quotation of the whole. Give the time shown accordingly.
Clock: {"hour": 8, "minute": 5}
